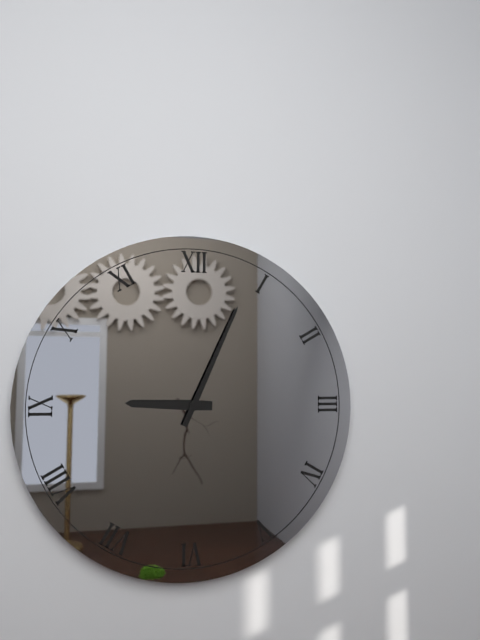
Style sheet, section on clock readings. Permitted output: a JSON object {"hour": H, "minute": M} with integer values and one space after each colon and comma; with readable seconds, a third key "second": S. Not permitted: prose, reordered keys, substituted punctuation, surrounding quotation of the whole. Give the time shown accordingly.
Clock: {"hour": 9, "minute": 4}
